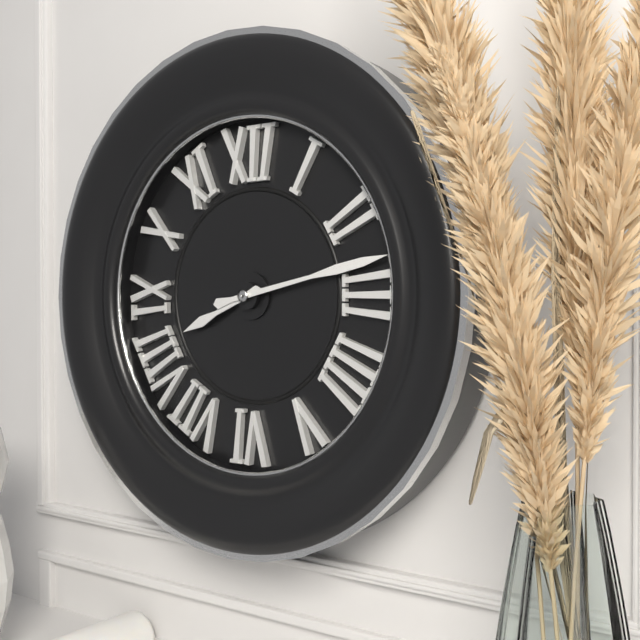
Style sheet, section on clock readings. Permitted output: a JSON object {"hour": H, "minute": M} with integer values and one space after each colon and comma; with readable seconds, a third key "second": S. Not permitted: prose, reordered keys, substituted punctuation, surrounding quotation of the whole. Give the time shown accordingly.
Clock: {"hour": 8, "minute": 13}
